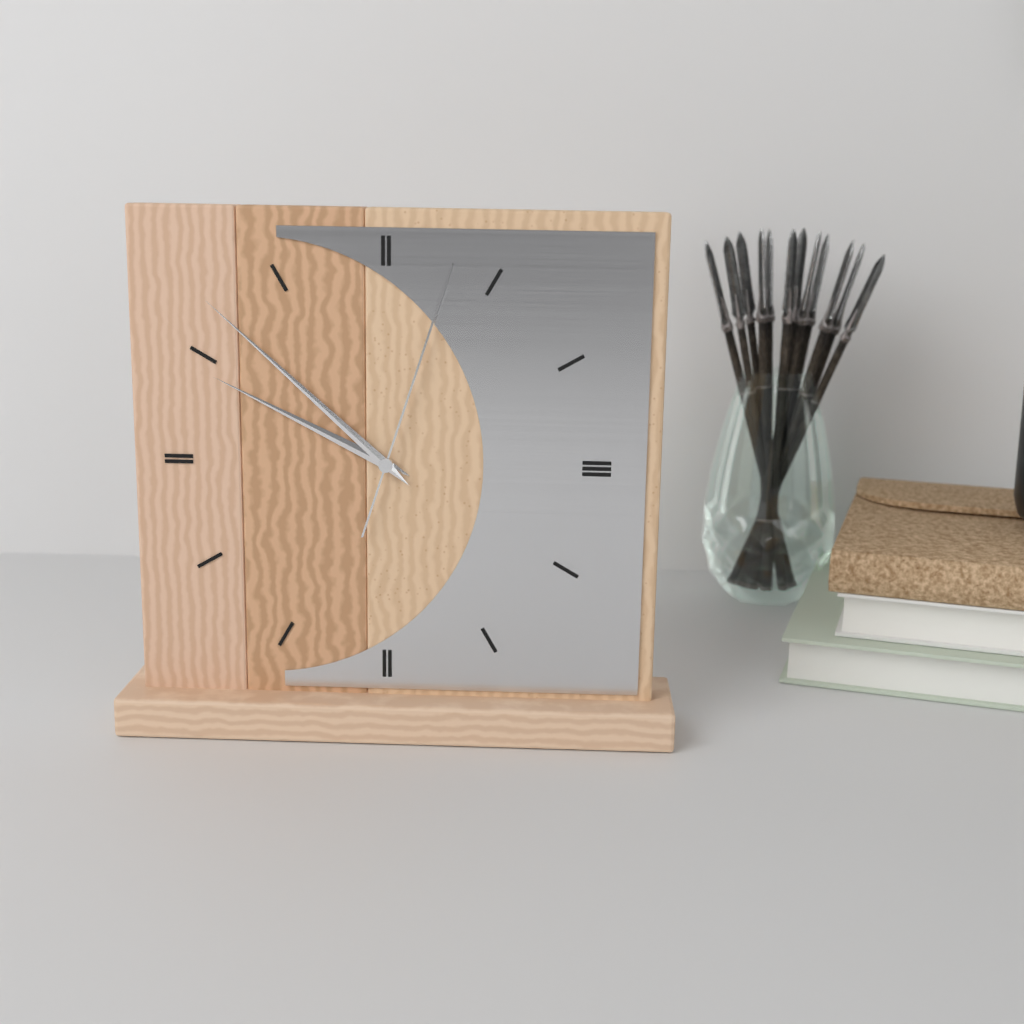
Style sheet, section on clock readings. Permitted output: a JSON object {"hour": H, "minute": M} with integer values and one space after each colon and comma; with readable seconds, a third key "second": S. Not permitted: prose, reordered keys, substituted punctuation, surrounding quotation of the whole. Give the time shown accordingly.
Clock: {"hour": 9, "minute": 52, "second": 3}
